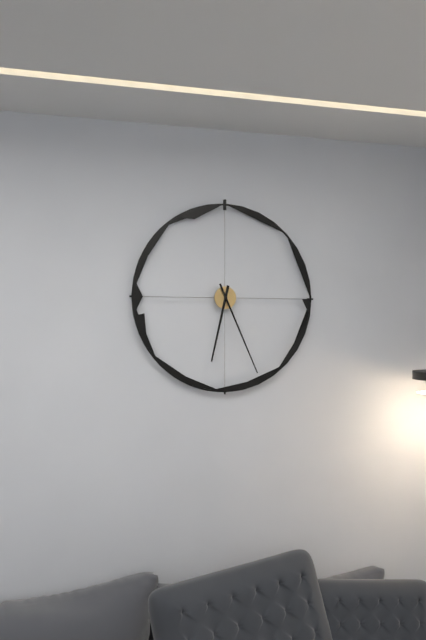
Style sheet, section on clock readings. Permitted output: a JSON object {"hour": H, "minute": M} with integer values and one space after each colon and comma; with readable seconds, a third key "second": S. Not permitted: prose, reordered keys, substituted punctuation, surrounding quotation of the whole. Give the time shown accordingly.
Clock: {"hour": 6, "minute": 26}
